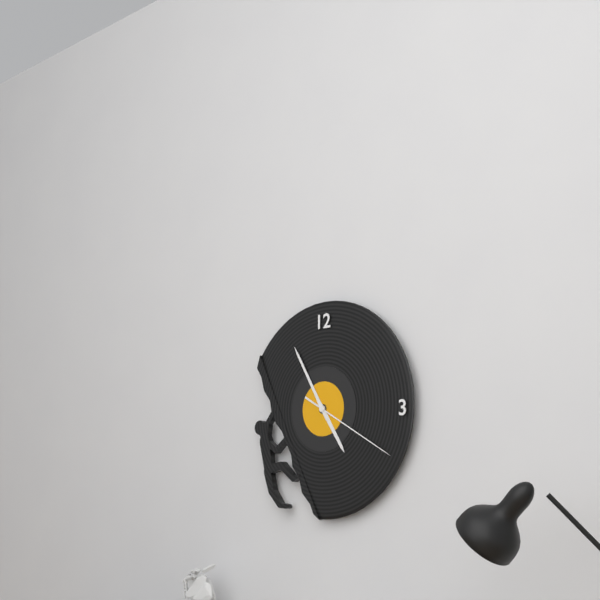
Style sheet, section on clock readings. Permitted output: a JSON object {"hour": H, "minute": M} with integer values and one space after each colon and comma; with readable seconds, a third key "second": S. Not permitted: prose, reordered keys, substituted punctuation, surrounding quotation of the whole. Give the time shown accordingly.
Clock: {"hour": 4, "minute": 55, "second": 20}
